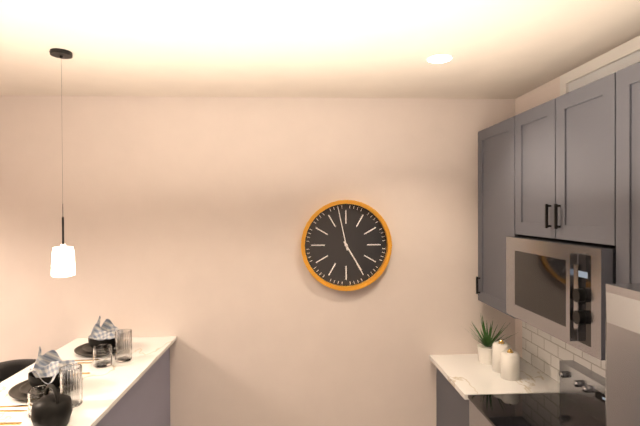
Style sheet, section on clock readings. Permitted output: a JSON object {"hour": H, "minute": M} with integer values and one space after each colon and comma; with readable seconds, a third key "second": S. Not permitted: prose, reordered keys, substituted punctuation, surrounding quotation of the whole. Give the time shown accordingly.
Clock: {"hour": 4, "minute": 58}
